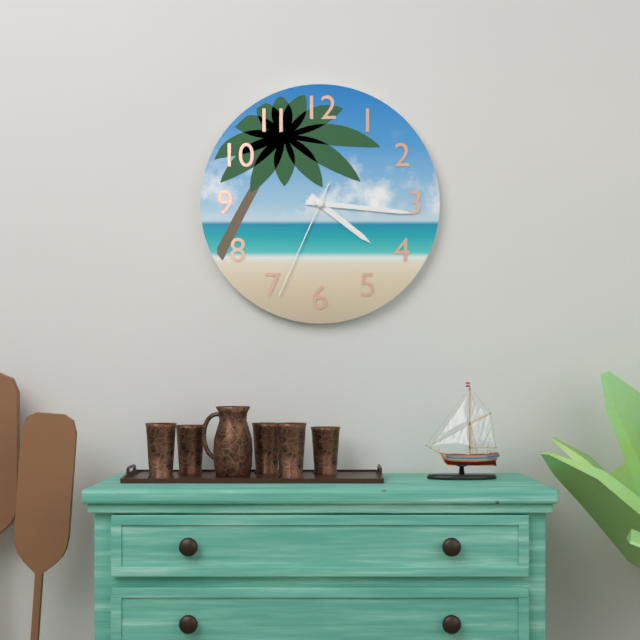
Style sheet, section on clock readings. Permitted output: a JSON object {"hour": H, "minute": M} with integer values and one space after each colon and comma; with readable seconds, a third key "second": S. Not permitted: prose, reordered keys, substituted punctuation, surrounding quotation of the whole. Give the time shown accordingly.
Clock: {"hour": 4, "minute": 16, "second": 34}
